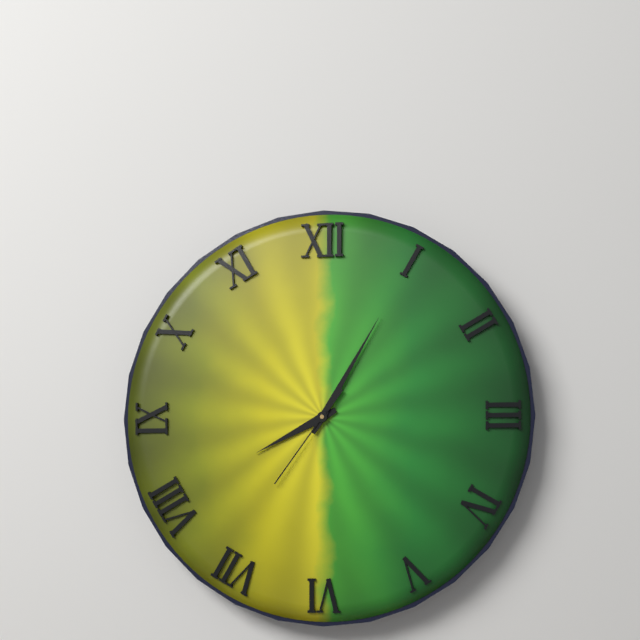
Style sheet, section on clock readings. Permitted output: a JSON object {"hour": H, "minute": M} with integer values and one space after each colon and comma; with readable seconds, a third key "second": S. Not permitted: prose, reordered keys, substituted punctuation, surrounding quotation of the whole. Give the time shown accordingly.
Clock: {"hour": 8, "minute": 5, "second": 36}
